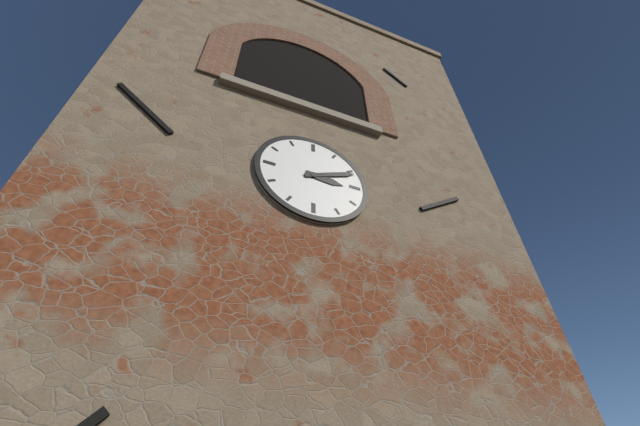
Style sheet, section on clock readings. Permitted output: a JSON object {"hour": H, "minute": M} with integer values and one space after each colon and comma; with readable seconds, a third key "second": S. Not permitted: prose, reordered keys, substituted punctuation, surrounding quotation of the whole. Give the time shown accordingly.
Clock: {"hour": 3, "minute": 11}
